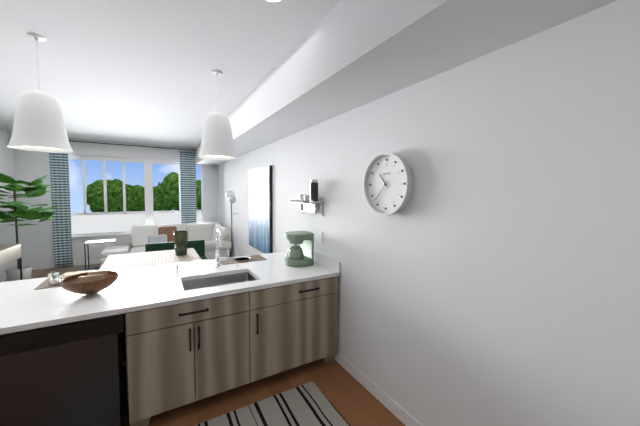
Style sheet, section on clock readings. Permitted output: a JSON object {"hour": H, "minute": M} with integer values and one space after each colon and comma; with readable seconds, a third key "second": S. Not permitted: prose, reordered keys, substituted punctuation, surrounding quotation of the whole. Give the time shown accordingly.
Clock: {"hour": 10, "minute": 37}
